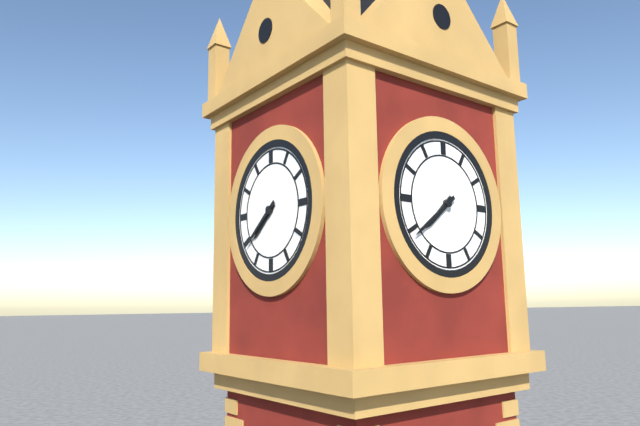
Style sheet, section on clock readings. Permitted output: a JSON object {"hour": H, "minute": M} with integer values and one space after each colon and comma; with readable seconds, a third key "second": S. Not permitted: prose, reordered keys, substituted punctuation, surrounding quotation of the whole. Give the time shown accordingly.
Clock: {"hour": 7, "minute": 39}
